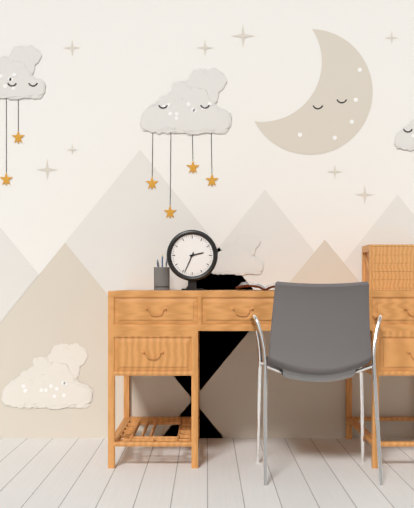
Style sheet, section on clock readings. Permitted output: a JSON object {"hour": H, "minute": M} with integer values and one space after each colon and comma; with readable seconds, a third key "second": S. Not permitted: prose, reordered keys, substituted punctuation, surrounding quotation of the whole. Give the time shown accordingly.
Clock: {"hour": 2, "minute": 34}
